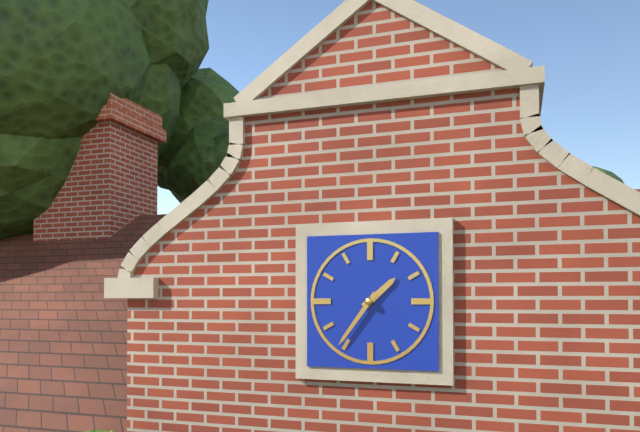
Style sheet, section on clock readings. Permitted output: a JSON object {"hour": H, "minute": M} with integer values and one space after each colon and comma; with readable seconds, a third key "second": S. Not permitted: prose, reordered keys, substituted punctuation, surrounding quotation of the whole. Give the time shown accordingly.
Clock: {"hour": 1, "minute": 36}
